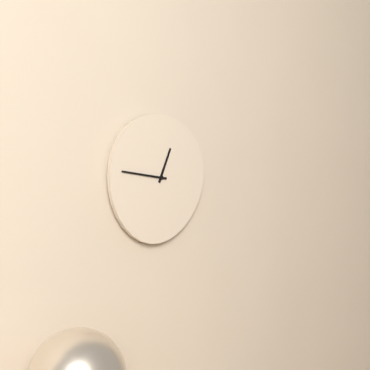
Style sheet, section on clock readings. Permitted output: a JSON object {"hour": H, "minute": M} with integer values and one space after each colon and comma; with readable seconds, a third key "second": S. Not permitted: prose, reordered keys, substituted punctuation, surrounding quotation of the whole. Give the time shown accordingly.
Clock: {"hour": 12, "minute": 46}
